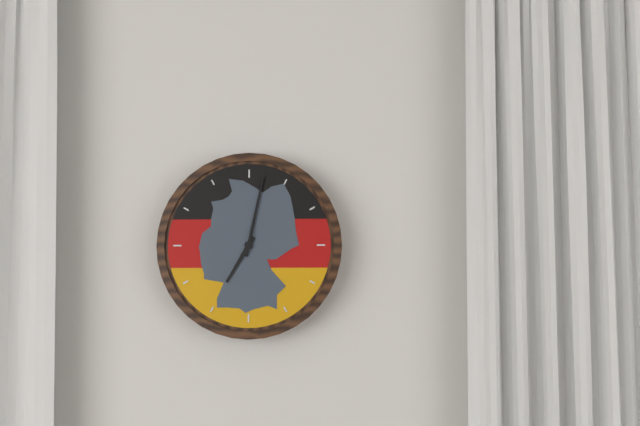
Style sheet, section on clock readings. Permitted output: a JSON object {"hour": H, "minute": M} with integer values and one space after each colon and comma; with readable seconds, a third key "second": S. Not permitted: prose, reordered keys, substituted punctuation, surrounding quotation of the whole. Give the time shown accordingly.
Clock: {"hour": 7, "minute": 2}
